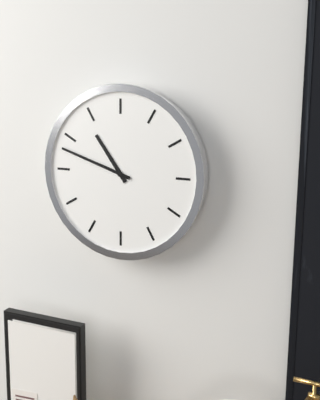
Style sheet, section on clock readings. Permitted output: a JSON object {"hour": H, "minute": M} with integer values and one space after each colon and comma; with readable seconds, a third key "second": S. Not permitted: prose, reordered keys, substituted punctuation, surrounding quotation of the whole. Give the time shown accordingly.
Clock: {"hour": 10, "minute": 48}
